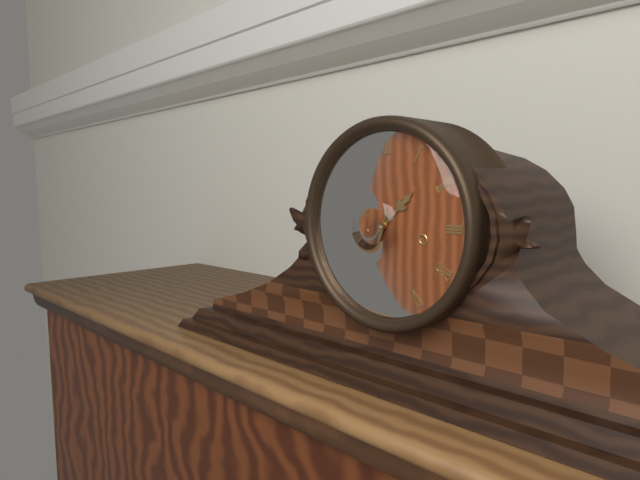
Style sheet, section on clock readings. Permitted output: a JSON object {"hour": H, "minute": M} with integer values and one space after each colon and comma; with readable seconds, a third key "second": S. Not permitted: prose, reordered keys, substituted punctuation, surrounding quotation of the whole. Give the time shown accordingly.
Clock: {"hour": 1, "minute": 33}
